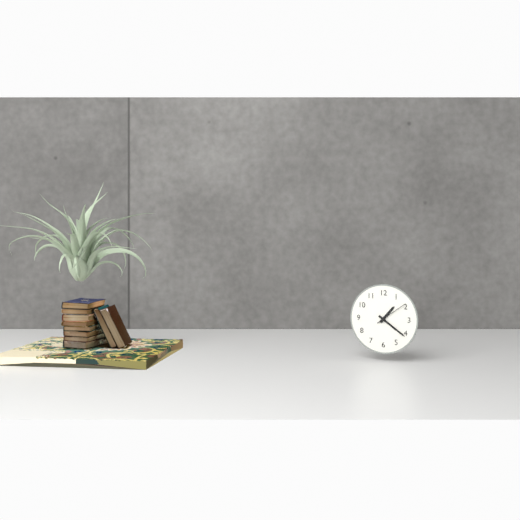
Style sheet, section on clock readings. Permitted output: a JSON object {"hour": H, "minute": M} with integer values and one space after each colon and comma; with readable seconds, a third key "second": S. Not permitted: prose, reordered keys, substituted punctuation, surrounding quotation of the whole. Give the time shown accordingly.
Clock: {"hour": 1, "minute": 21}
